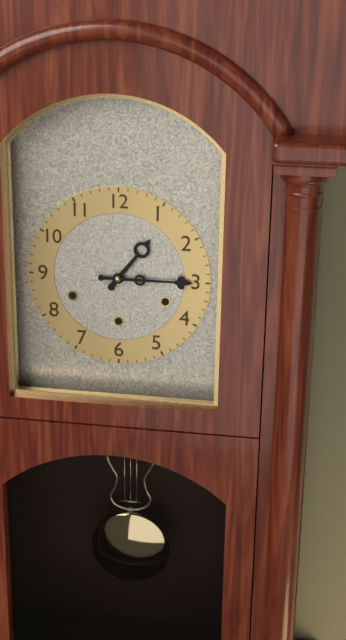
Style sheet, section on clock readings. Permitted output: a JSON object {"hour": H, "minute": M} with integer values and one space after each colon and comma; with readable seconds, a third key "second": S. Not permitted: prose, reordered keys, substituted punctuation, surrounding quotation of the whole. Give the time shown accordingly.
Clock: {"hour": 1, "minute": 15}
